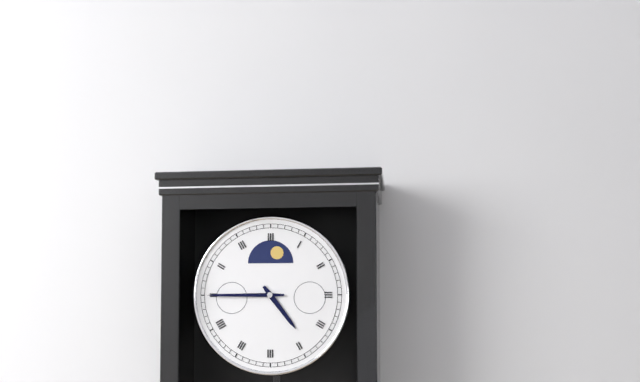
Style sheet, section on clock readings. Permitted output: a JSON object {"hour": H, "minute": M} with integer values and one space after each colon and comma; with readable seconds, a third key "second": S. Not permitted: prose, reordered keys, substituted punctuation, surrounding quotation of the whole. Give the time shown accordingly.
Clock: {"hour": 4, "minute": 45}
